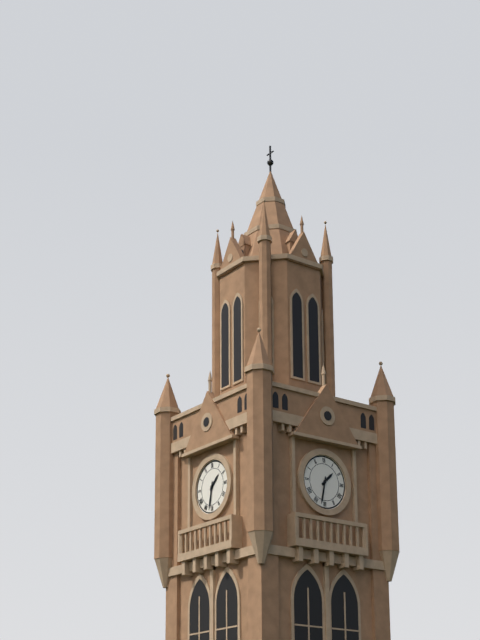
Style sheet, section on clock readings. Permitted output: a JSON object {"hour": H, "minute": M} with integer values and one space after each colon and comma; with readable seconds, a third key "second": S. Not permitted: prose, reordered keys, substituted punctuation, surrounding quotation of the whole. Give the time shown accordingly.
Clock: {"hour": 1, "minute": 32}
